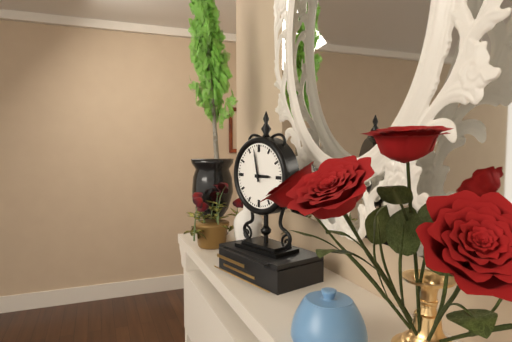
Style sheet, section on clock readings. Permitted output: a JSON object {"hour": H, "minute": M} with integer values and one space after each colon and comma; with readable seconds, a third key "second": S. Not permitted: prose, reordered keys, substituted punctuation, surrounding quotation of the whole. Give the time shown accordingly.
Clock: {"hour": 2, "minute": 58}
